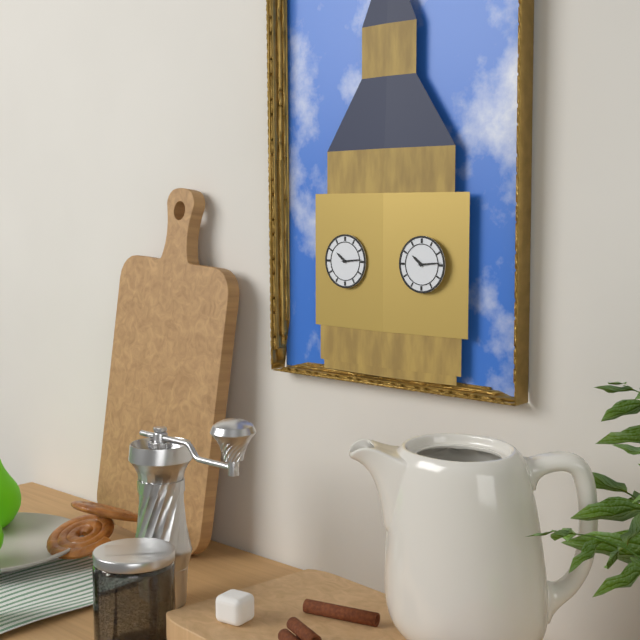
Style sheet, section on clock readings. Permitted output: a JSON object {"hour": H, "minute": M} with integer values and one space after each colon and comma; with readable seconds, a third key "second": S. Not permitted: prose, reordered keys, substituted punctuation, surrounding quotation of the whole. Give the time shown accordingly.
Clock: {"hour": 10, "minute": 14}
